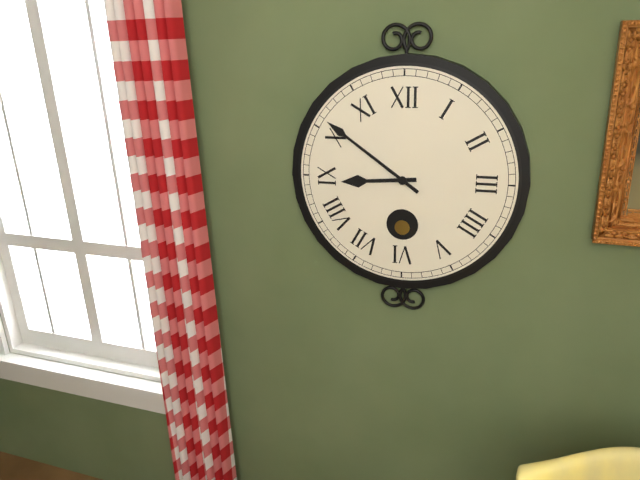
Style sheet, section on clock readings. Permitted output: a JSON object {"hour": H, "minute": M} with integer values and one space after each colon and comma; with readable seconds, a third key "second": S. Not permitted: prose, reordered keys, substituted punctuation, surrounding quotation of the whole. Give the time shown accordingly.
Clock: {"hour": 8, "minute": 51}
